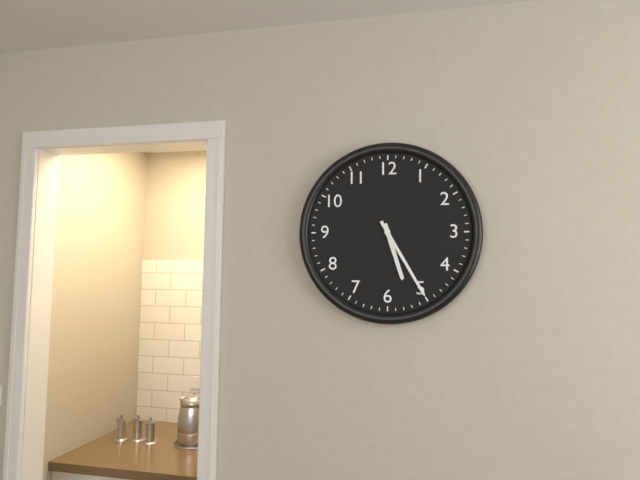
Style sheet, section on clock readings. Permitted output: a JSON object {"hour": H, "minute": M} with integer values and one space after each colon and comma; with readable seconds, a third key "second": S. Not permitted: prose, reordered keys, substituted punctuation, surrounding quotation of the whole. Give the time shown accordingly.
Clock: {"hour": 5, "minute": 25}
